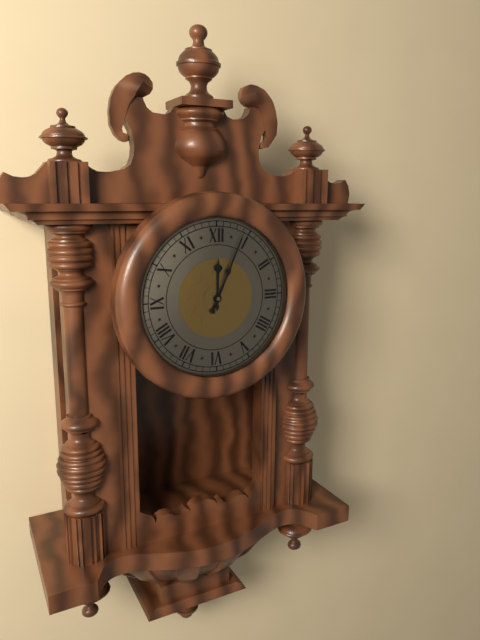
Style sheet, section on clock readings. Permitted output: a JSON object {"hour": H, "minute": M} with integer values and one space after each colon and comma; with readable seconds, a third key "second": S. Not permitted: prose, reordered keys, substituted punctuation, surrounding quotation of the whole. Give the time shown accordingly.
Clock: {"hour": 12, "minute": 4}
